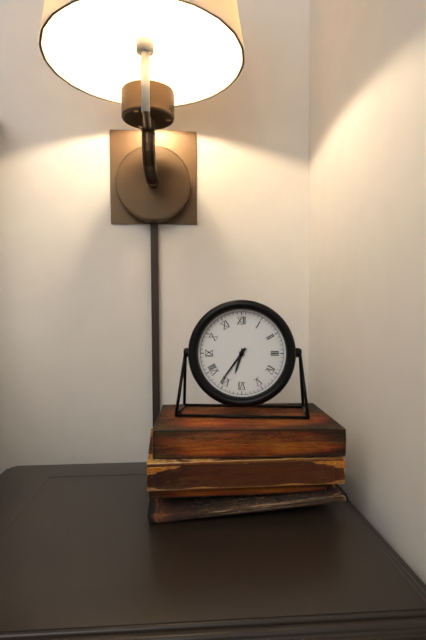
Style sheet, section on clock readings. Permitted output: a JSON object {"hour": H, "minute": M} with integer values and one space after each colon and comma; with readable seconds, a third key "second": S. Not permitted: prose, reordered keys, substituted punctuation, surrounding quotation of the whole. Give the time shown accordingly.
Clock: {"hour": 6, "minute": 36}
